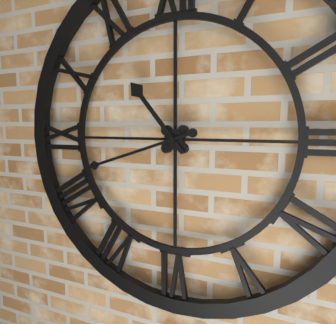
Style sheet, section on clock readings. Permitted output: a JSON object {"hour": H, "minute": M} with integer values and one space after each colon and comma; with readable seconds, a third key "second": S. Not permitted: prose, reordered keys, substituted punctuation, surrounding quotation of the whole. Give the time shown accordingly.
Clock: {"hour": 10, "minute": 42}
